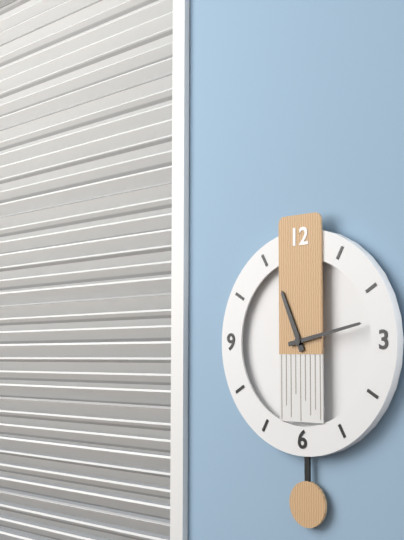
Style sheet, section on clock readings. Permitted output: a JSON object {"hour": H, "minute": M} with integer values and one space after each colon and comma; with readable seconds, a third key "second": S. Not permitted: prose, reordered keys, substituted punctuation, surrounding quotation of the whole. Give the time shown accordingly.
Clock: {"hour": 11, "minute": 13}
